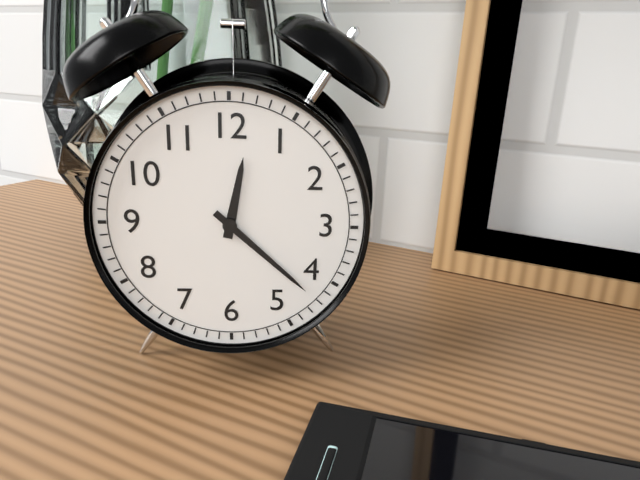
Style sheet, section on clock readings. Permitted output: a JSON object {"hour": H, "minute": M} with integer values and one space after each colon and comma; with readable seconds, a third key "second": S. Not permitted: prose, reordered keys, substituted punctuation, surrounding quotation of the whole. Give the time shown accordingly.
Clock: {"hour": 12, "minute": 22}
